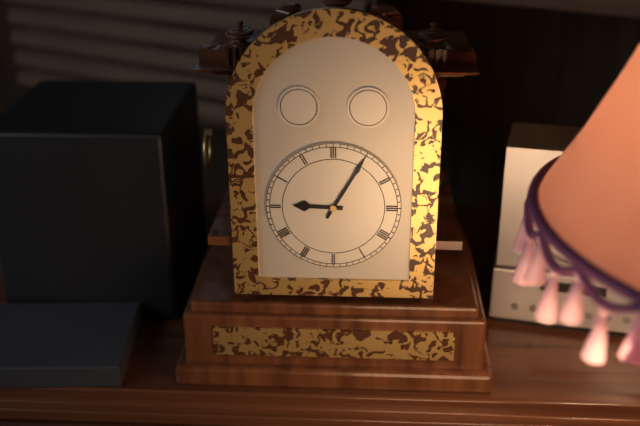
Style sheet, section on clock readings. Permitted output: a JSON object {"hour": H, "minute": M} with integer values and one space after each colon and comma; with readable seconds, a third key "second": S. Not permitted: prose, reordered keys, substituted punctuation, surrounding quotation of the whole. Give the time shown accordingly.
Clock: {"hour": 9, "minute": 5}
